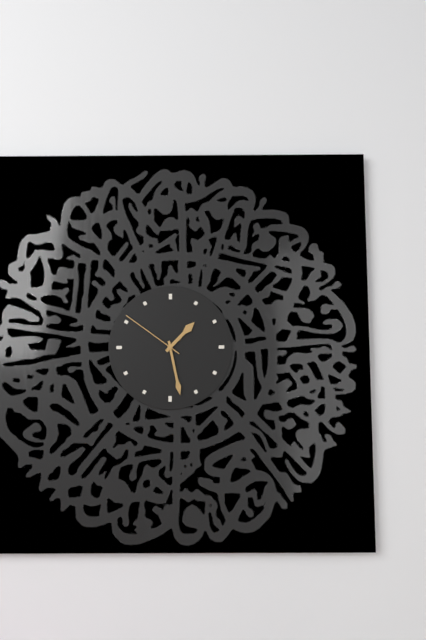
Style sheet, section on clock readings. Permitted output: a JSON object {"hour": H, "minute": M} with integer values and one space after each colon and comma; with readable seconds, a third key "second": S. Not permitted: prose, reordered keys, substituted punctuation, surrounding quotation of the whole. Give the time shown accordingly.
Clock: {"hour": 1, "minute": 28, "second": 51}
